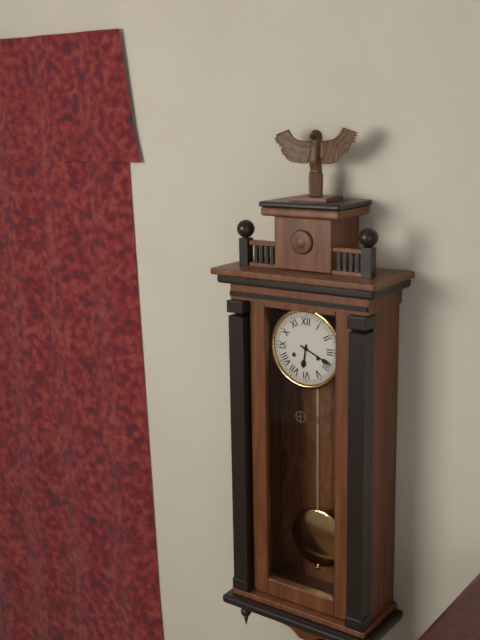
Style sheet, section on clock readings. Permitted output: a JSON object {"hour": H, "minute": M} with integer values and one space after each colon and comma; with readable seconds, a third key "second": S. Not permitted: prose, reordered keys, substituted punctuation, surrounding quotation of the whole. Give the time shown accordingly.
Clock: {"hour": 6, "minute": 19}
